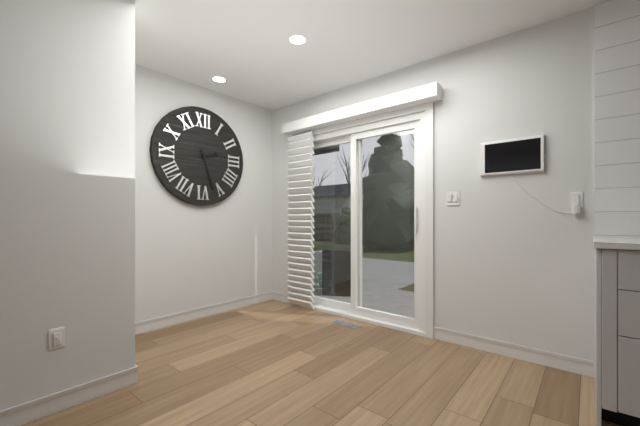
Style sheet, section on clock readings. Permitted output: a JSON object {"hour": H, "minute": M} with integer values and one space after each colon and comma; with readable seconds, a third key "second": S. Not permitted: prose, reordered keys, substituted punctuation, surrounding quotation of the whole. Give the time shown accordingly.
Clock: {"hour": 2, "minute": 27}
